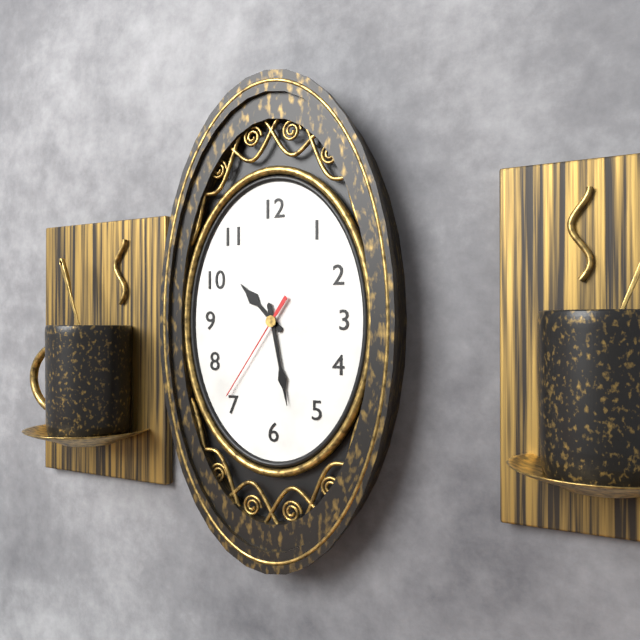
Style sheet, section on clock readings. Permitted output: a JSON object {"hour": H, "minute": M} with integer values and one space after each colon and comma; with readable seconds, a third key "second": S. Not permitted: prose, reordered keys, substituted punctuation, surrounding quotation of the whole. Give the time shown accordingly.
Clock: {"hour": 10, "minute": 28, "second": 36}
